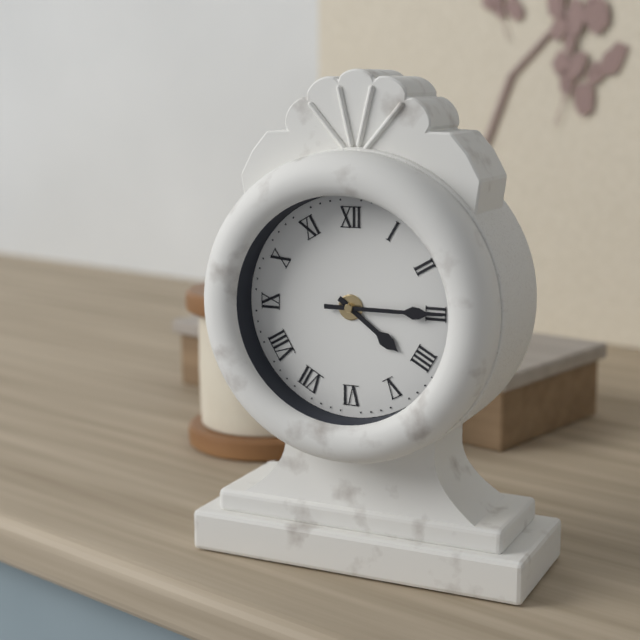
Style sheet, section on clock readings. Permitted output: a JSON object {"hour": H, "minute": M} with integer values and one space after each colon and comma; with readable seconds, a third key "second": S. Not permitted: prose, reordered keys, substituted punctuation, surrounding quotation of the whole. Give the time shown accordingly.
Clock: {"hour": 4, "minute": 15}
